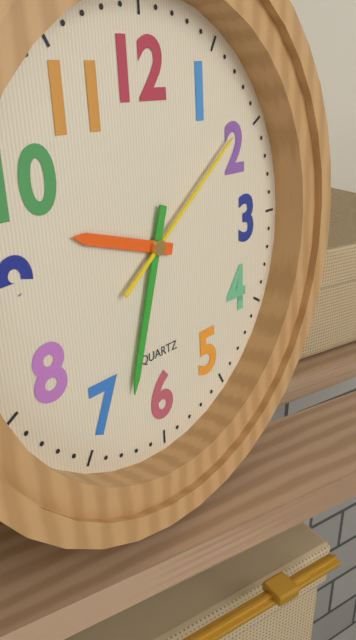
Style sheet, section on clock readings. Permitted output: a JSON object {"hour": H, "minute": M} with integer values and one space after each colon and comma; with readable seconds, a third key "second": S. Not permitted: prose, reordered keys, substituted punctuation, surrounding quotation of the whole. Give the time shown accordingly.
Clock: {"hour": 9, "minute": 33, "second": 9}
